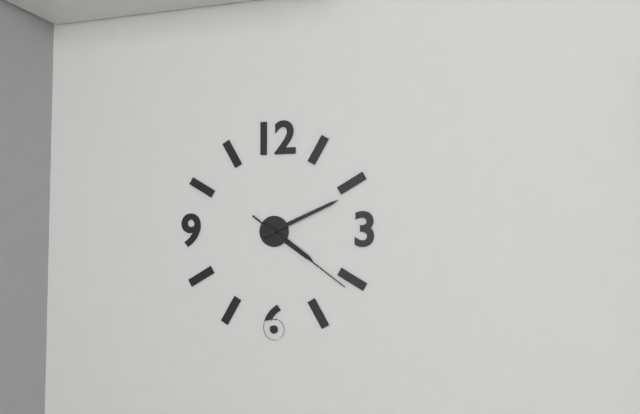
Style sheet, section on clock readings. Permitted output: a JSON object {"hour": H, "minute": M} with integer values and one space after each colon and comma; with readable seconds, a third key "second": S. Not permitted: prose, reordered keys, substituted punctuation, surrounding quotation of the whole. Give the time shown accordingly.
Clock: {"hour": 4, "minute": 11, "second": 21}
